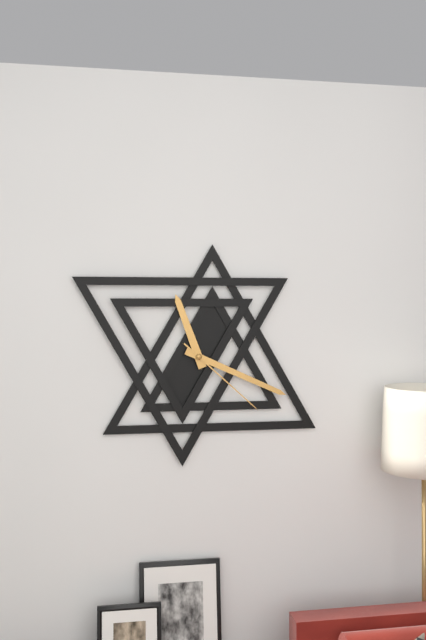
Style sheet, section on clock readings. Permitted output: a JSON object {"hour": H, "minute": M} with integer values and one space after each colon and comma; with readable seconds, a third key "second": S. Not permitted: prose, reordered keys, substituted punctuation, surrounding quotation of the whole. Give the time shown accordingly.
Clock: {"hour": 11, "minute": 19, "second": 22}
